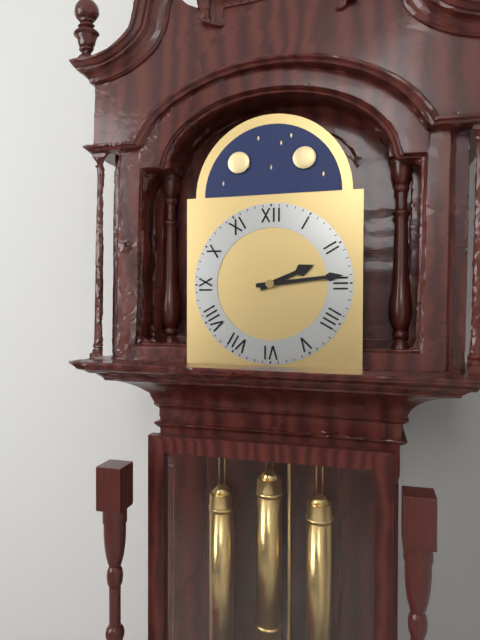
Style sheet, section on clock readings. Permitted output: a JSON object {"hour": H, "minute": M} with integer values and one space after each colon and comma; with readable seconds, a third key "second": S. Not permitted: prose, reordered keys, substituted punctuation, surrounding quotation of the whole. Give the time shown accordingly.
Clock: {"hour": 2, "minute": 14}
